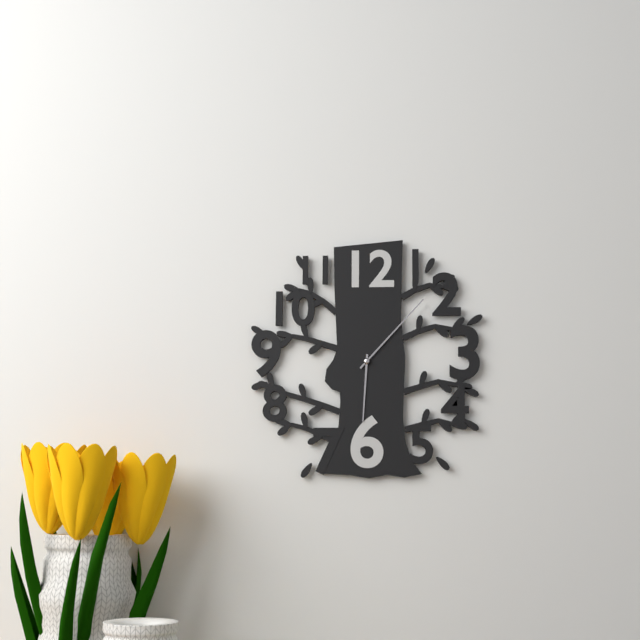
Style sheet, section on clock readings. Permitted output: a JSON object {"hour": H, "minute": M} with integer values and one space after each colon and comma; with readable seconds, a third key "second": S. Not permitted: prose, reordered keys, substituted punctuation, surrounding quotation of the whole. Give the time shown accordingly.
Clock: {"hour": 6, "minute": 7}
